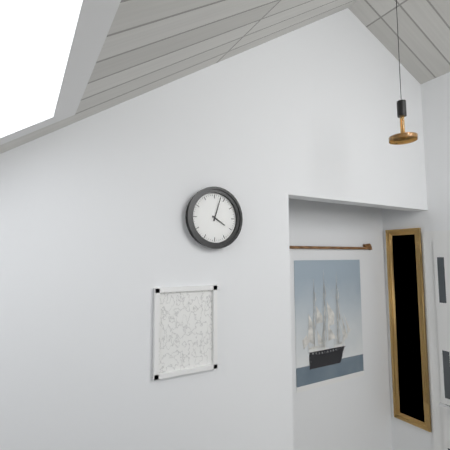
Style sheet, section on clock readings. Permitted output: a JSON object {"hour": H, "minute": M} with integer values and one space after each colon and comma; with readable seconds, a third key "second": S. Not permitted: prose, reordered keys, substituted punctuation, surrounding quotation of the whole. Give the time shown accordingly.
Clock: {"hour": 4, "minute": 3}
